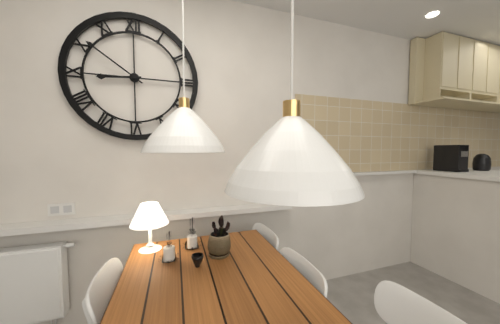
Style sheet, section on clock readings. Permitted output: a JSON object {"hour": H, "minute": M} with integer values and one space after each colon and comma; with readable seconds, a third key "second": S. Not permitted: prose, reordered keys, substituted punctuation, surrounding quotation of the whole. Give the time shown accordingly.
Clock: {"hour": 8, "minute": 51}
